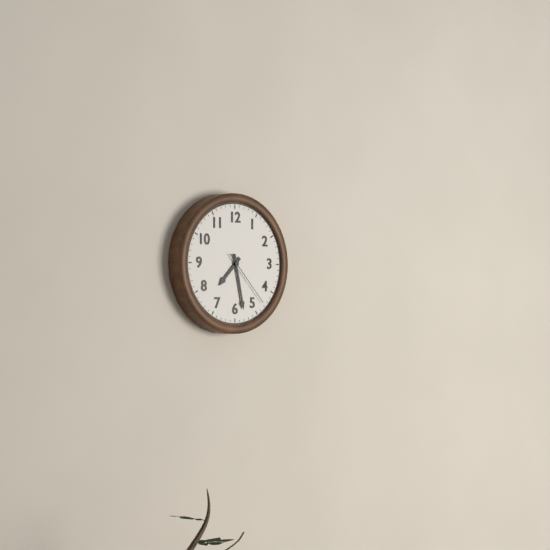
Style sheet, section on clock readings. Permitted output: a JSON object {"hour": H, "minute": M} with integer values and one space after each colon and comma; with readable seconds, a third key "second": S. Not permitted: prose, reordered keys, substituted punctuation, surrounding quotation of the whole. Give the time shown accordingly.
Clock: {"hour": 7, "minute": 28, "second": 23}
